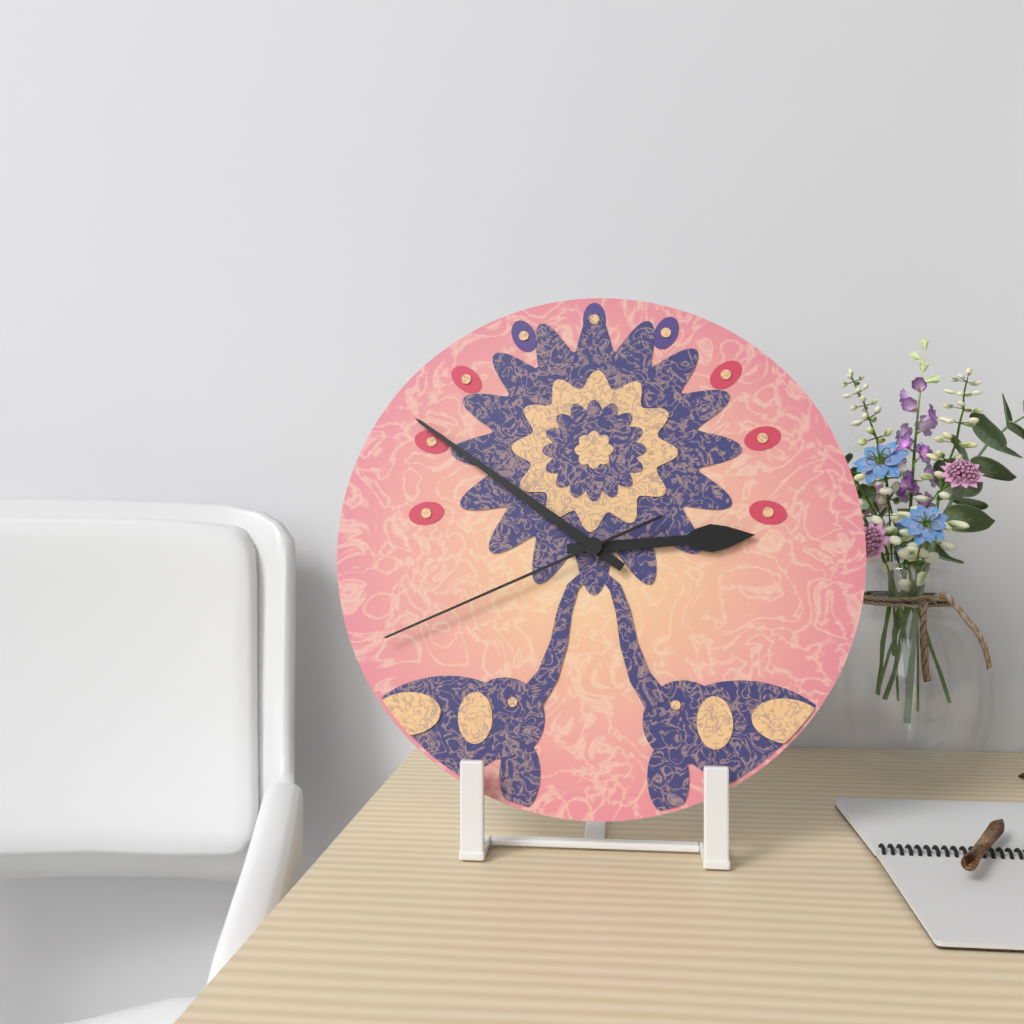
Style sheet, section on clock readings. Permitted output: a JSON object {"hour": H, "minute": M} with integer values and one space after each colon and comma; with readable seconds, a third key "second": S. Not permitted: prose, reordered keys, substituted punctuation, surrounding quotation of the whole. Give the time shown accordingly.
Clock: {"hour": 2, "minute": 51, "second": 41}
